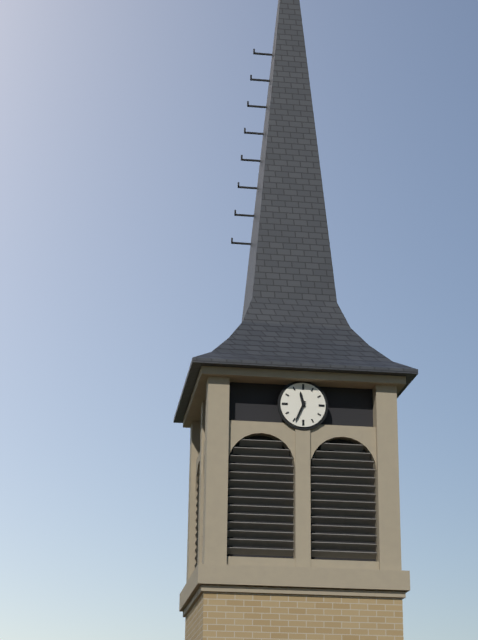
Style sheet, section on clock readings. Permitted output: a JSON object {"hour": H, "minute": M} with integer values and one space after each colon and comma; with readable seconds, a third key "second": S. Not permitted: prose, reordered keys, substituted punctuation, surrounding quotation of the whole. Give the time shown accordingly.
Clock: {"hour": 11, "minute": 34}
